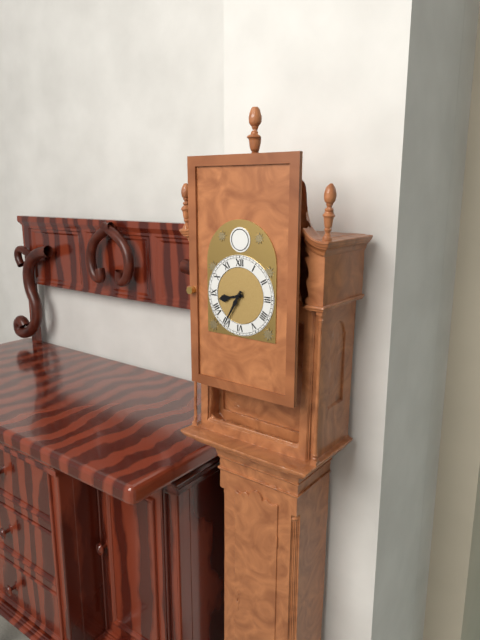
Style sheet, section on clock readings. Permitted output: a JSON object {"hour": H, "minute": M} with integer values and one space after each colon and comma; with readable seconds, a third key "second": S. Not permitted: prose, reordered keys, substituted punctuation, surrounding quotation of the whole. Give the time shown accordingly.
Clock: {"hour": 8, "minute": 35}
